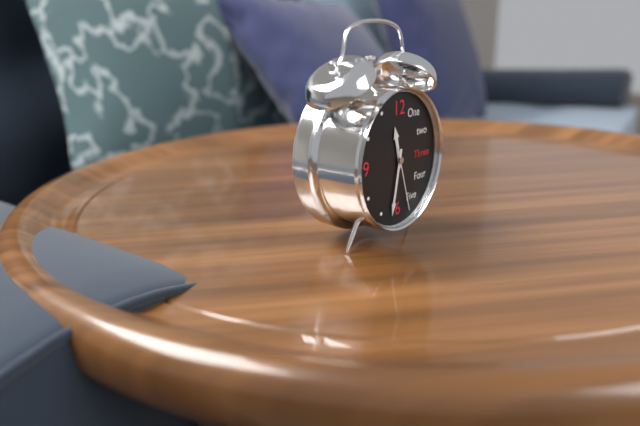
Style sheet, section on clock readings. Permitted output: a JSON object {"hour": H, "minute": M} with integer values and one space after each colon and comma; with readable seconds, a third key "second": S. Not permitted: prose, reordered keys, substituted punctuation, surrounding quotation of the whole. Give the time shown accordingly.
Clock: {"hour": 11, "minute": 32, "second": 27}
